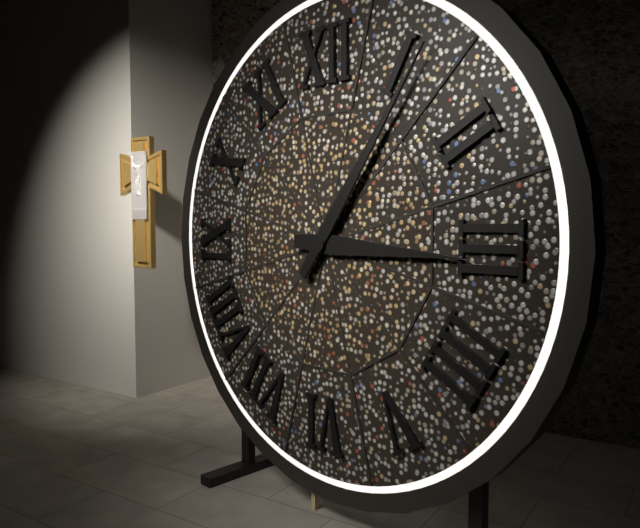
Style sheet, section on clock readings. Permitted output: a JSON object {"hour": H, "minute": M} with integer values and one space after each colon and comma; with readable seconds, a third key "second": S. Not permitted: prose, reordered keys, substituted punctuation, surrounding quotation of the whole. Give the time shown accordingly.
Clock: {"hour": 3, "minute": 6}
